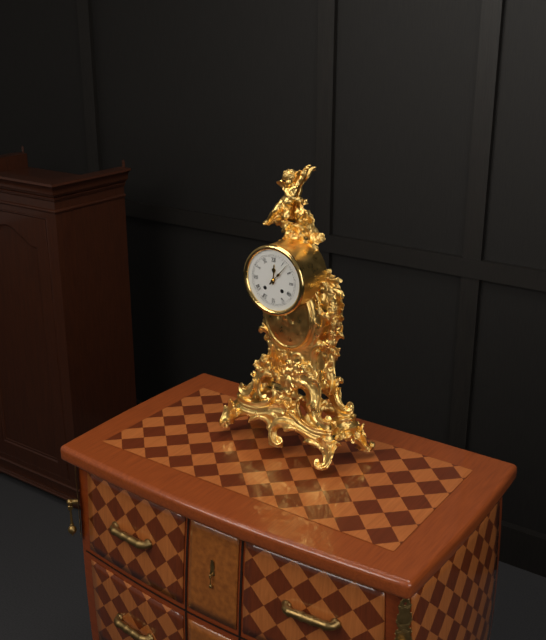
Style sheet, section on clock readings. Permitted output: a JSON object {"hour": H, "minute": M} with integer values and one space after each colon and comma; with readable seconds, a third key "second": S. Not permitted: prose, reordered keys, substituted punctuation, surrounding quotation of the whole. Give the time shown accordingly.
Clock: {"hour": 12, "minute": 7}
